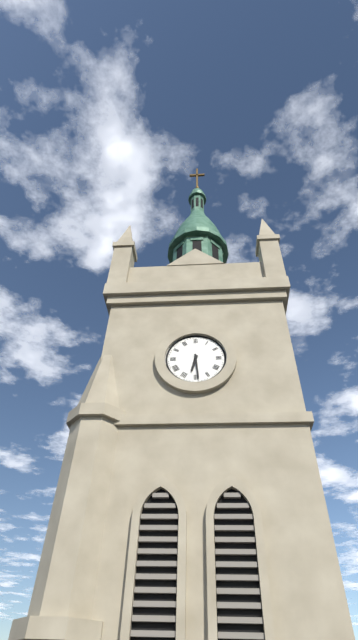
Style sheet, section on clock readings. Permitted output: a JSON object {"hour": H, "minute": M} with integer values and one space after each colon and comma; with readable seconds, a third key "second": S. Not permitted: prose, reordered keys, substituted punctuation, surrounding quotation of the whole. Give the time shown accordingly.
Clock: {"hour": 6, "minute": 29}
